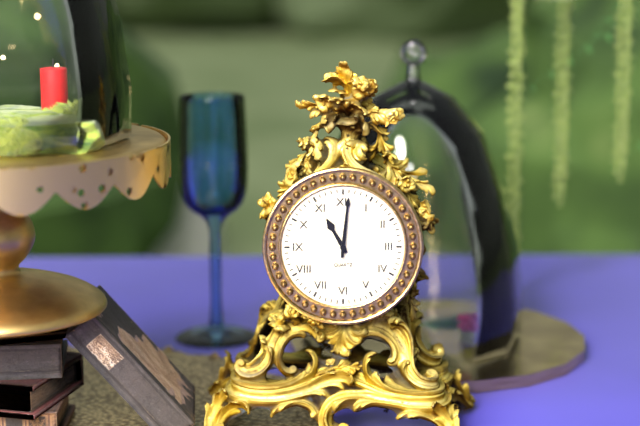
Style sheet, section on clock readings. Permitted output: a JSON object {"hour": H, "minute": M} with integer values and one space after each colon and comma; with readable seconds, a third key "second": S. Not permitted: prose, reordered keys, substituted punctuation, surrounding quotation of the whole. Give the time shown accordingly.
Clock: {"hour": 11, "minute": 1}
